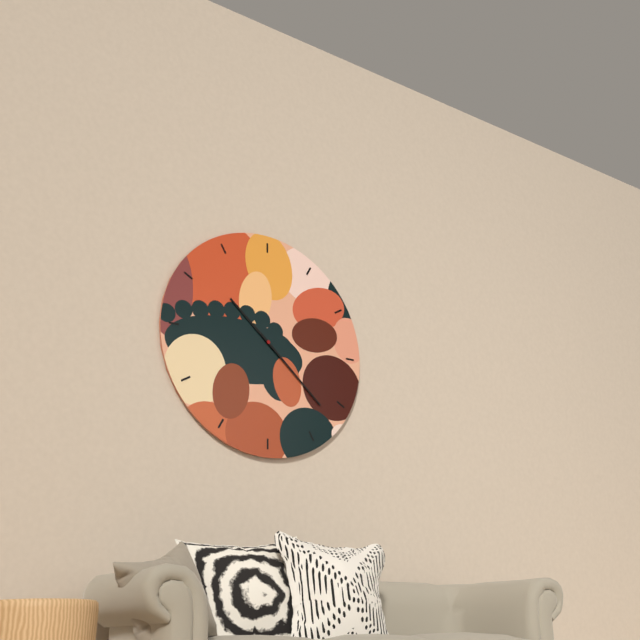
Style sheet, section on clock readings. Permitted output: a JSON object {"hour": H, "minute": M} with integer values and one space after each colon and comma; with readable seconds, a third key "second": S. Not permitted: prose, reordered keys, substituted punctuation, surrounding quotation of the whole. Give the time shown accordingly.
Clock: {"hour": 10, "minute": 22}
